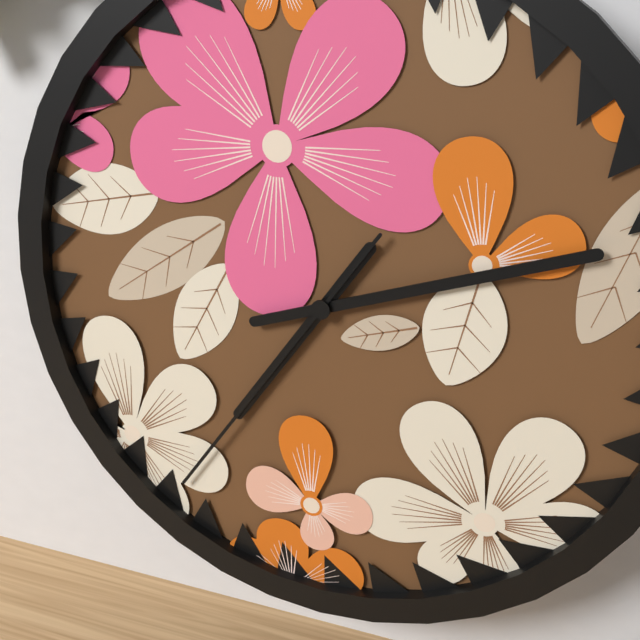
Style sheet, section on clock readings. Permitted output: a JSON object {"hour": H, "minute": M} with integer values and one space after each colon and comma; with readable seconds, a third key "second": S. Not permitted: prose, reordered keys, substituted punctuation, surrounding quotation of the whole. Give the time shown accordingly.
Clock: {"hour": 7, "minute": 12, "second": 36}
